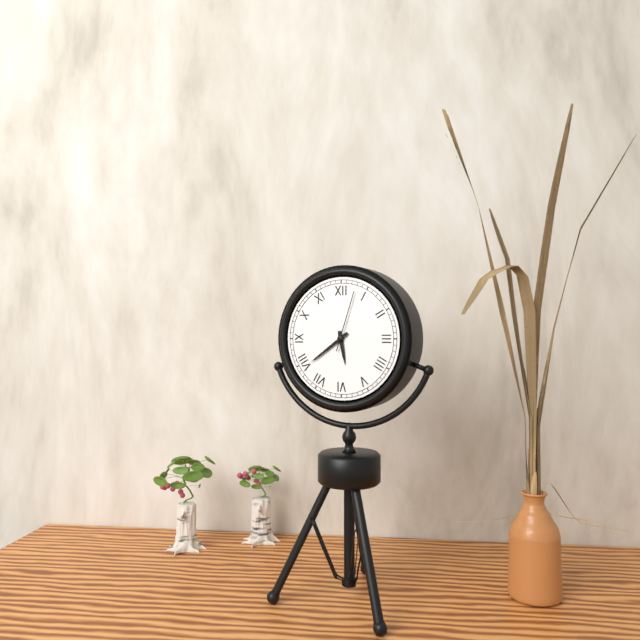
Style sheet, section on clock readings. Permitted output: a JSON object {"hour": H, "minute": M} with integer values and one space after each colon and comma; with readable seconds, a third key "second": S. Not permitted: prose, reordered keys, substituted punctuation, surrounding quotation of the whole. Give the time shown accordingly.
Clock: {"hour": 5, "minute": 39, "second": 3}
